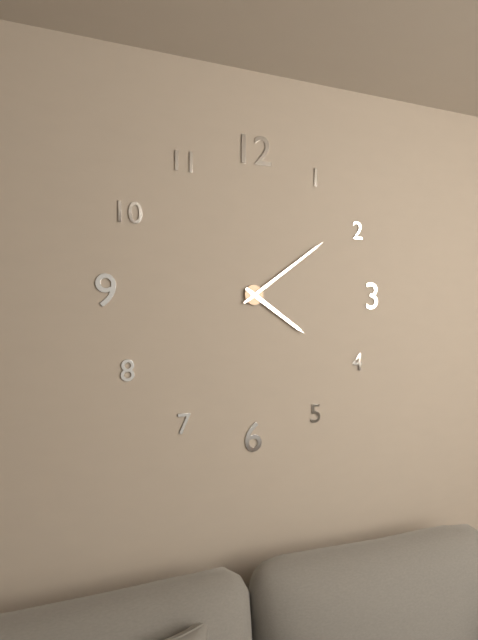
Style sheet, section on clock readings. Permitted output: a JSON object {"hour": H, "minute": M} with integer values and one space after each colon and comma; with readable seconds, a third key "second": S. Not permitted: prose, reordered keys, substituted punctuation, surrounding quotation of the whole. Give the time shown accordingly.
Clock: {"hour": 4, "minute": 9}
